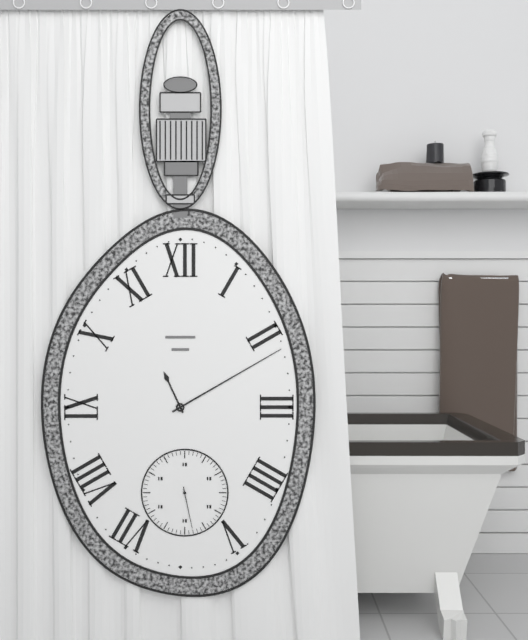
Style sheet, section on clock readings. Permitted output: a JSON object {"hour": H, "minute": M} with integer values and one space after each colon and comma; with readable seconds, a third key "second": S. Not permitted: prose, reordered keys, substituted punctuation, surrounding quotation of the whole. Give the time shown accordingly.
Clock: {"hour": 11, "minute": 10}
